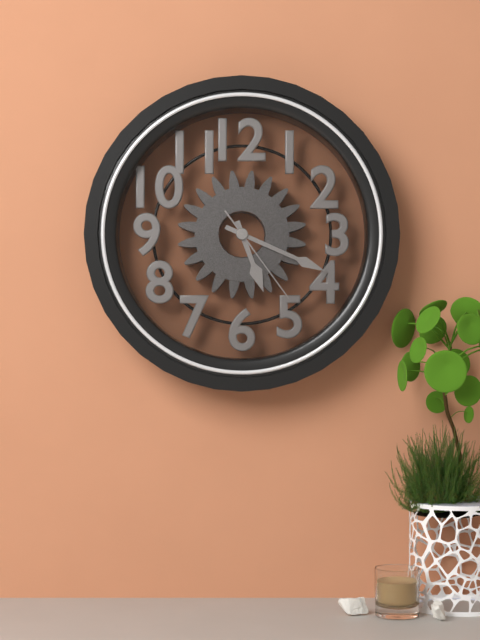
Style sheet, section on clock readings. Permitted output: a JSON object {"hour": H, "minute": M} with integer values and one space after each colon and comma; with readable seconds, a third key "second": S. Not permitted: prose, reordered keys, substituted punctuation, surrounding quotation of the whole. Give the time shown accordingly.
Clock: {"hour": 5, "minute": 19, "second": 24}
